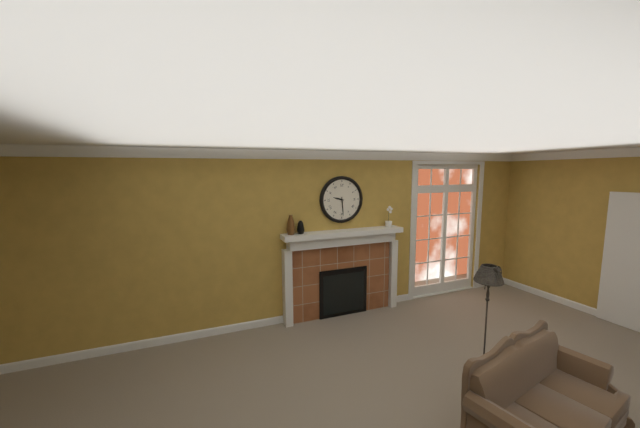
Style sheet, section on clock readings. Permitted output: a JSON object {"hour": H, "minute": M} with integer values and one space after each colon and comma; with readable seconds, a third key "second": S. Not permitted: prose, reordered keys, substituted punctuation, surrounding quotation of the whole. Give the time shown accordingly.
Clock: {"hour": 9, "minute": 29}
